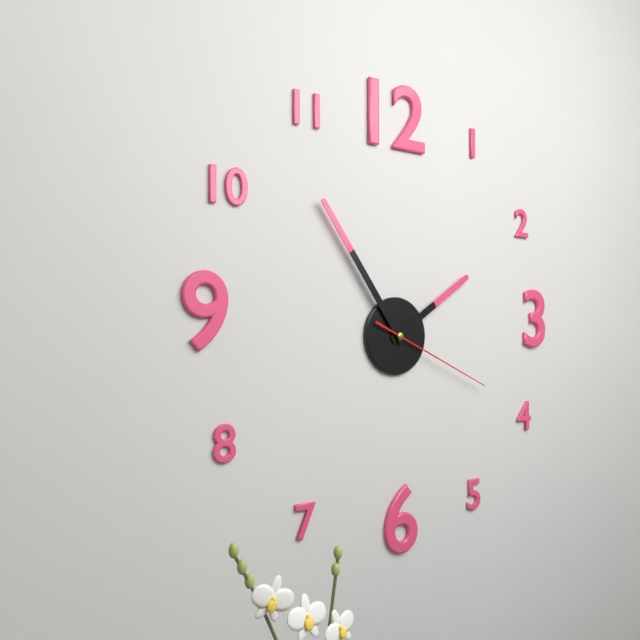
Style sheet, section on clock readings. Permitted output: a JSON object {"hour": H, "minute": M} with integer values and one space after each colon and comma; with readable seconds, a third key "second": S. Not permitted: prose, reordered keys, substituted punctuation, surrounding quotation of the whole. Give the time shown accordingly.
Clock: {"hour": 1, "minute": 54, "second": 19}
